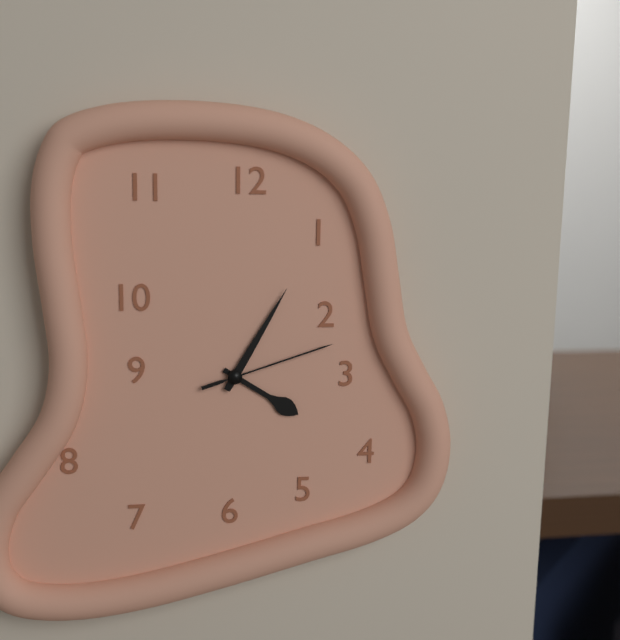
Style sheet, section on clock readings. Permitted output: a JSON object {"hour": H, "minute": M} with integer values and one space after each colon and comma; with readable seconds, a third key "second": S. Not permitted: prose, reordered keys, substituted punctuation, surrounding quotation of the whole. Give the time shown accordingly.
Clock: {"hour": 4, "minute": 5, "second": 12}
